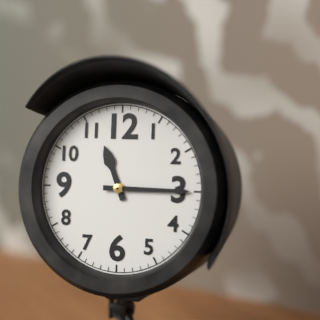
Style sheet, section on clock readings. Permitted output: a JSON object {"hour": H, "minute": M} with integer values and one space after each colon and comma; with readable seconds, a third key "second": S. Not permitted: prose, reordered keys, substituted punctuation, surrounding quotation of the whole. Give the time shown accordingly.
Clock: {"hour": 11, "minute": 15}
